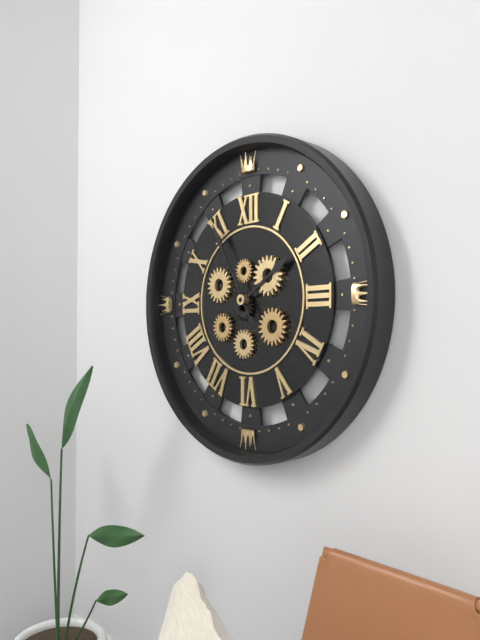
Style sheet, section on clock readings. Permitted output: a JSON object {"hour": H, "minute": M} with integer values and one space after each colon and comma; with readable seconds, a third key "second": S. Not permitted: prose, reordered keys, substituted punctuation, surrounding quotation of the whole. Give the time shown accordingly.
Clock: {"hour": 1, "minute": 55}
